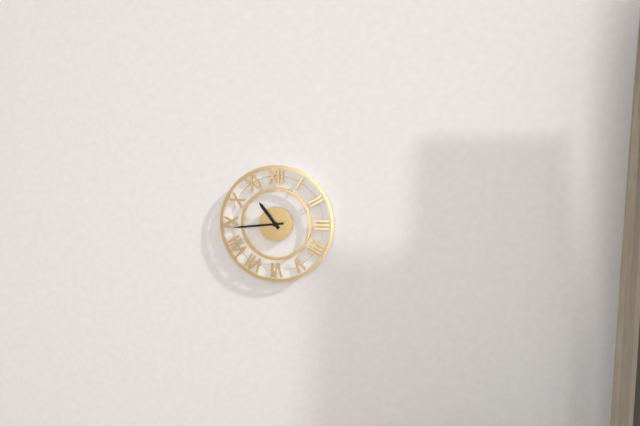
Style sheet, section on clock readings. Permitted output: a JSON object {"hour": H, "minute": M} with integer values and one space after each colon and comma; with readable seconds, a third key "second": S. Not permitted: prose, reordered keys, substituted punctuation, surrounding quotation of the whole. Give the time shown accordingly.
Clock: {"hour": 10, "minute": 44}
